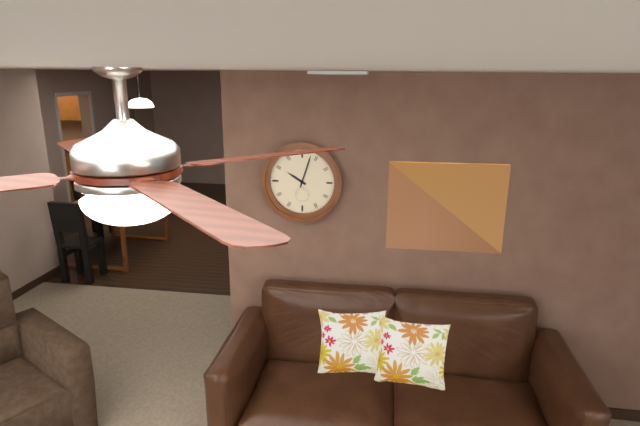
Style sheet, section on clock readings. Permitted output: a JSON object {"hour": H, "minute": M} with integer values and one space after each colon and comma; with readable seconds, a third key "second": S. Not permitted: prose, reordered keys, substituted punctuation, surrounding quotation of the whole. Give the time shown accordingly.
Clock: {"hour": 10, "minute": 3}
